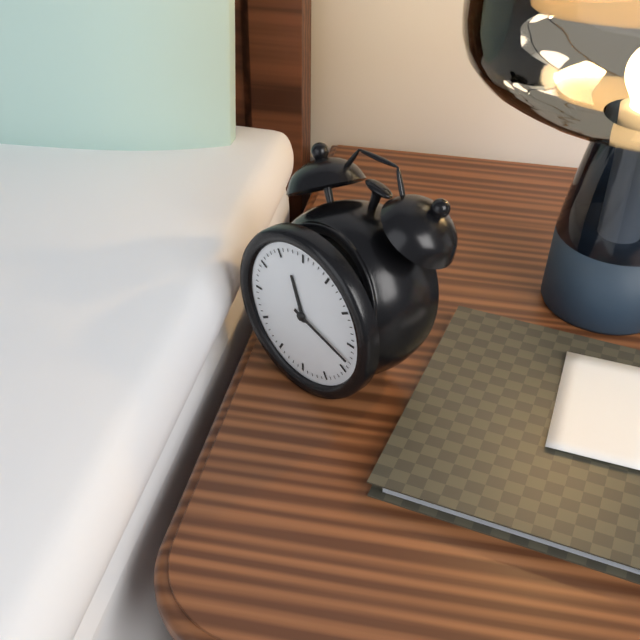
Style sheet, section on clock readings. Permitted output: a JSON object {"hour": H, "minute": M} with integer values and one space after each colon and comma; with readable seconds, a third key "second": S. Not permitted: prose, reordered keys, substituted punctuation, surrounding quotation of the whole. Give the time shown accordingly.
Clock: {"hour": 11, "minute": 18}
